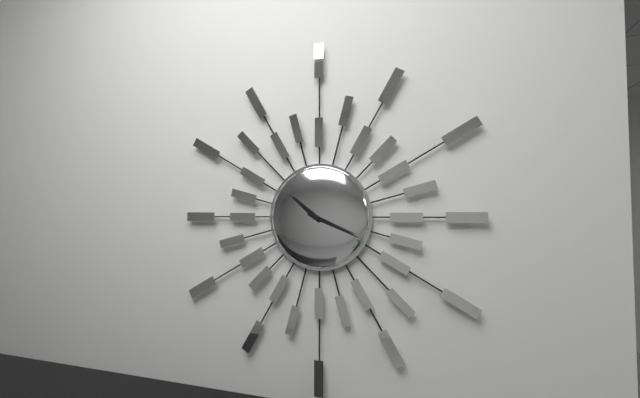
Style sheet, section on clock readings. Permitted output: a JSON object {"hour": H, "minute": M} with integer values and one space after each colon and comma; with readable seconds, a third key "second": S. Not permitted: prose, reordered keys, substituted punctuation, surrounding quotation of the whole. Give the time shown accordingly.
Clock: {"hour": 10, "minute": 19}
